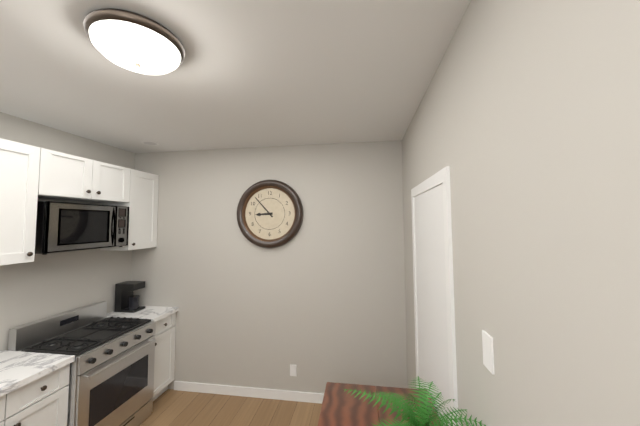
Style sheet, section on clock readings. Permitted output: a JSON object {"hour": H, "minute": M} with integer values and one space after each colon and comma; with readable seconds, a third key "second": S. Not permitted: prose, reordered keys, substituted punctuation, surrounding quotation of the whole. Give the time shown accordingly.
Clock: {"hour": 8, "minute": 53}
